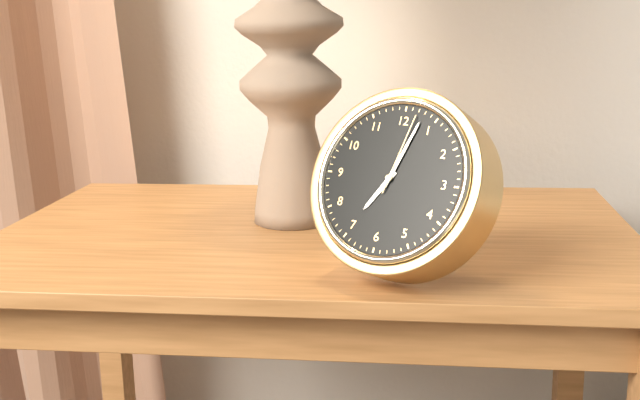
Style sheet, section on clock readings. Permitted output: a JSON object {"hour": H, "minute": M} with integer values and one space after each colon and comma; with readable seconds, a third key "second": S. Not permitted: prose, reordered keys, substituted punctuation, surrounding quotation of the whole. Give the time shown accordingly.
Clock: {"hour": 7, "minute": 3, "second": 2}
